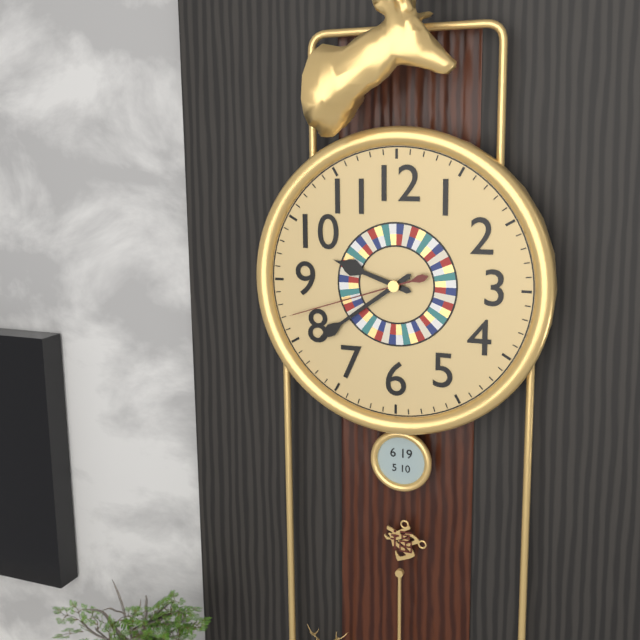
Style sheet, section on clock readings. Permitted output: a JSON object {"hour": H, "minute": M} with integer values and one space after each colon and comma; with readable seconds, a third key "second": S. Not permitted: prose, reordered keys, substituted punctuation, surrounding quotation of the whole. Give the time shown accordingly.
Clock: {"hour": 9, "minute": 39, "second": 42}
